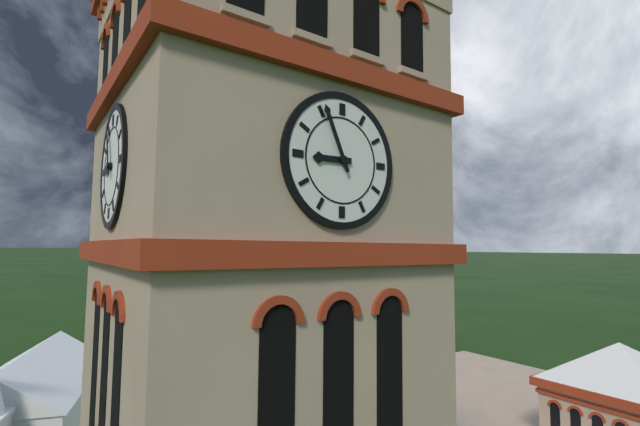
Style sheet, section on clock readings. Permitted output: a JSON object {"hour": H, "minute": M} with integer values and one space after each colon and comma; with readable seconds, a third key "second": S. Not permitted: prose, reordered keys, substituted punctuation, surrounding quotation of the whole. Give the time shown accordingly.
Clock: {"hour": 8, "minute": 56}
